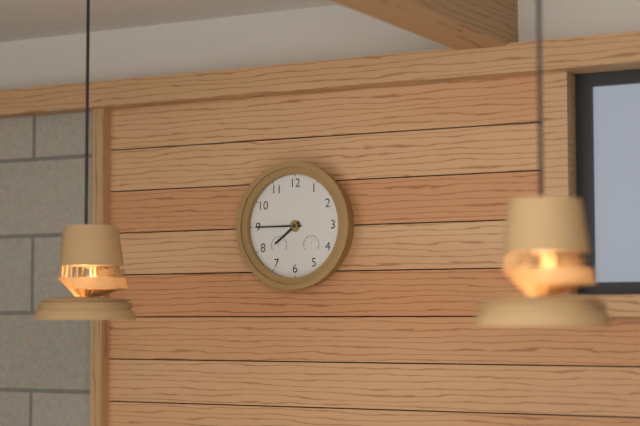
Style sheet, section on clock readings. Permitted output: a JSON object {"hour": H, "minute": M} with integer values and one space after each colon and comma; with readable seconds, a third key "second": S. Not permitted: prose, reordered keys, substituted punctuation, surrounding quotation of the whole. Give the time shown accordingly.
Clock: {"hour": 7, "minute": 45}
